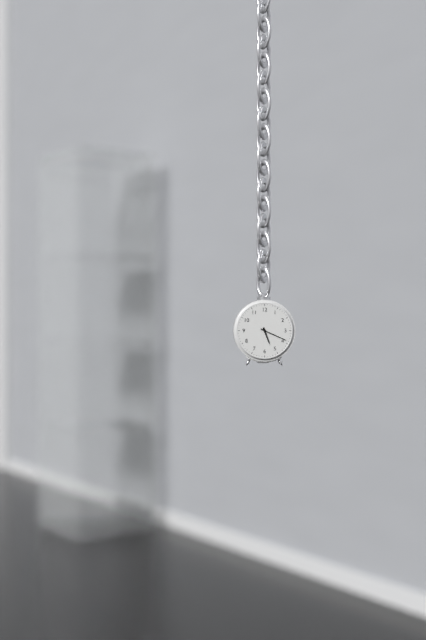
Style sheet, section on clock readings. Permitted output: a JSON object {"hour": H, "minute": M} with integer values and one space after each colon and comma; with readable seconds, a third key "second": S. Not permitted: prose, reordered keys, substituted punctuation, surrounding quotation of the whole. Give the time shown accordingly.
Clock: {"hour": 5, "minute": 19}
